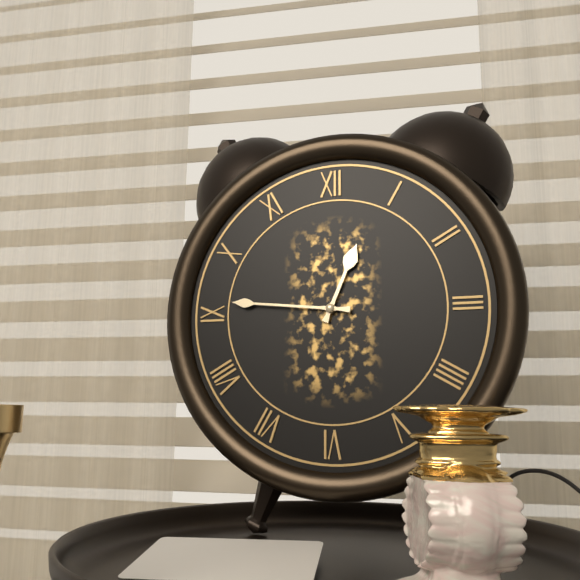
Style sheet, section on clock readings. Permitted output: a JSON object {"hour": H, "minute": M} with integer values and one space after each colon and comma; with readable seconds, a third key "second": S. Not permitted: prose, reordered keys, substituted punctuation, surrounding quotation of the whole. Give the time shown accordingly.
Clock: {"hour": 12, "minute": 46}
